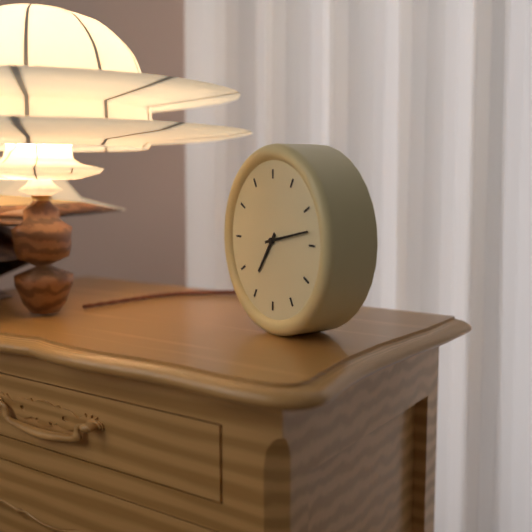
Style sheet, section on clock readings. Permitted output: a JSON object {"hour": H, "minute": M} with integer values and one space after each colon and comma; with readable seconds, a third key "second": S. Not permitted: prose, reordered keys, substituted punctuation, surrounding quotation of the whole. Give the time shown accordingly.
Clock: {"hour": 7, "minute": 13}
